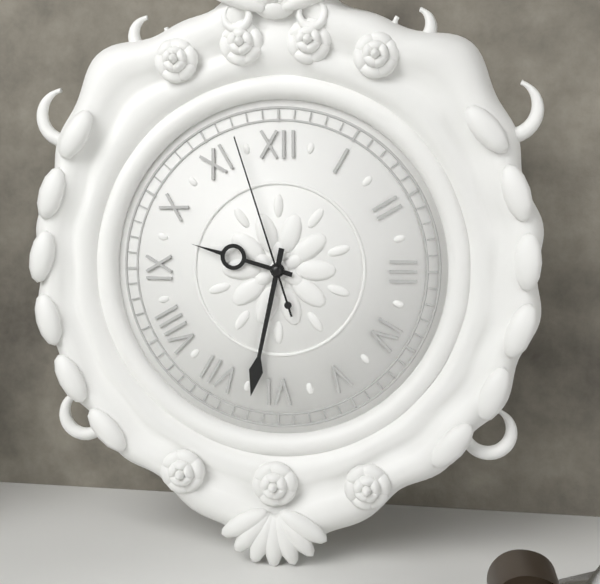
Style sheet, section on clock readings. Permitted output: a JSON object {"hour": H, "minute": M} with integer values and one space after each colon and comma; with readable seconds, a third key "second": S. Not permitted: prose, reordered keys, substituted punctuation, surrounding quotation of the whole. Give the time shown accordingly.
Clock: {"hour": 9, "minute": 32, "second": 57}
